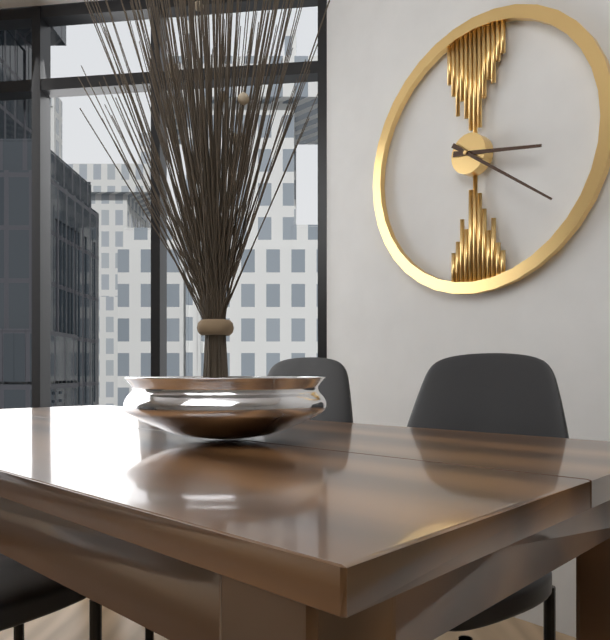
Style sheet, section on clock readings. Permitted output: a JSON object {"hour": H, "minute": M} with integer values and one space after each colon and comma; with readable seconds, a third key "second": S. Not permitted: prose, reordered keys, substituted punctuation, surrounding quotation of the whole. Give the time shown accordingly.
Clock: {"hour": 3, "minute": 21}
